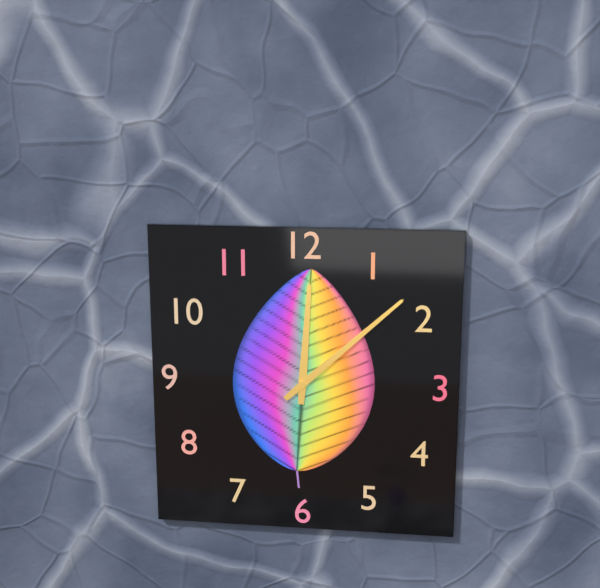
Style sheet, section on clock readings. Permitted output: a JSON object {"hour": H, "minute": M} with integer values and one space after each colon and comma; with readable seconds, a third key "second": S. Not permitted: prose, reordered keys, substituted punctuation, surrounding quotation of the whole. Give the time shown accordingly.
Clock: {"hour": 12, "minute": 8}
